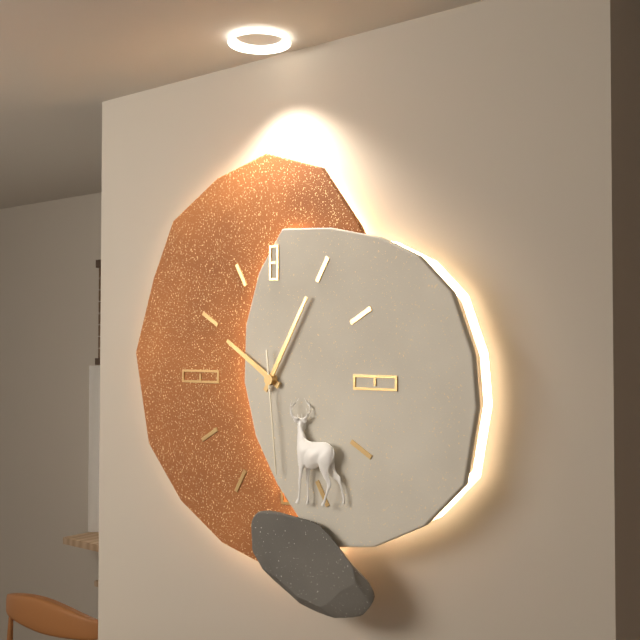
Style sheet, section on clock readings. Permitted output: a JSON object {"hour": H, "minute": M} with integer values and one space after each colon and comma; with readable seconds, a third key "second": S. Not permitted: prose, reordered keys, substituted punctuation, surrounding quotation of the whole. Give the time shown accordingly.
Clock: {"hour": 10, "minute": 5, "second": 29}
